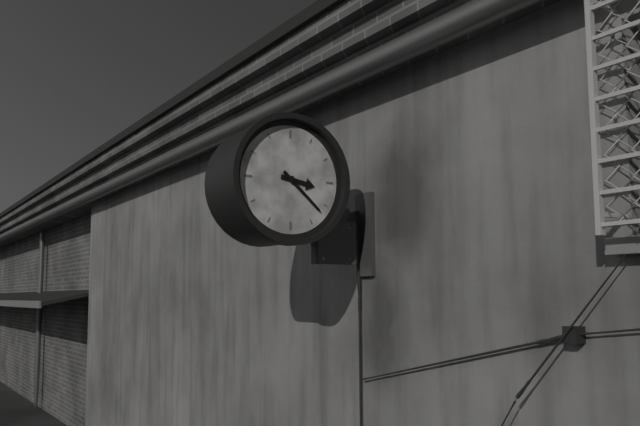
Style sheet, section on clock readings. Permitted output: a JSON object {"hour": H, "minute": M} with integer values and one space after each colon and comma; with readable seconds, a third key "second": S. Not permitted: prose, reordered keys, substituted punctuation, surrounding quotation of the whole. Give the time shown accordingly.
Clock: {"hour": 3, "minute": 22}
